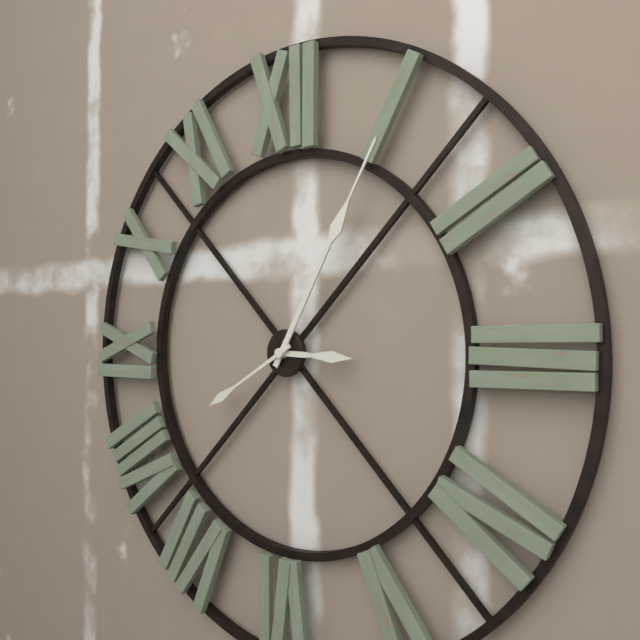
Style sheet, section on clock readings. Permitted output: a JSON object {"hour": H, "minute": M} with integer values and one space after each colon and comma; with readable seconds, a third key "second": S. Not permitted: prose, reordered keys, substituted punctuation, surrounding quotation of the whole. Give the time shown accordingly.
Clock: {"hour": 3, "minute": 5, "second": 40}
